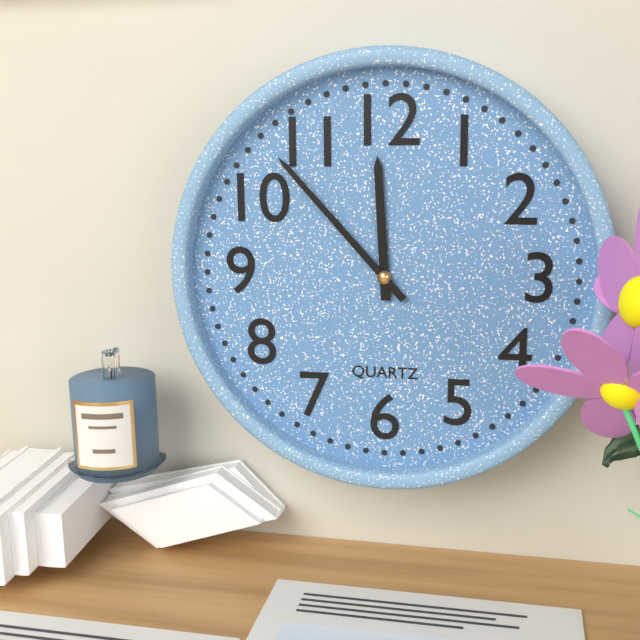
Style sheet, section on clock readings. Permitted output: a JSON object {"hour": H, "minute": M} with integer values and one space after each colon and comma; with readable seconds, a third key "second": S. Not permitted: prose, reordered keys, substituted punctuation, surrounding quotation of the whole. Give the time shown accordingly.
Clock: {"hour": 11, "minute": 53}
